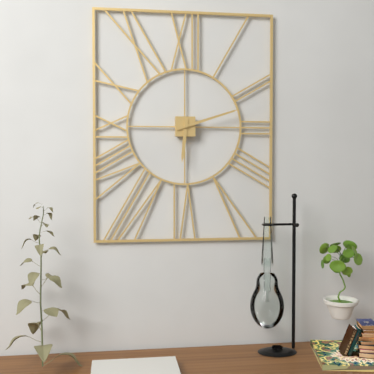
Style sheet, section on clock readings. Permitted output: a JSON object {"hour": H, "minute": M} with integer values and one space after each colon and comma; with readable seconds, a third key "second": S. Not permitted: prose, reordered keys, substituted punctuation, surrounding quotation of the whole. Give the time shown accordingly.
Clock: {"hour": 6, "minute": 12}
